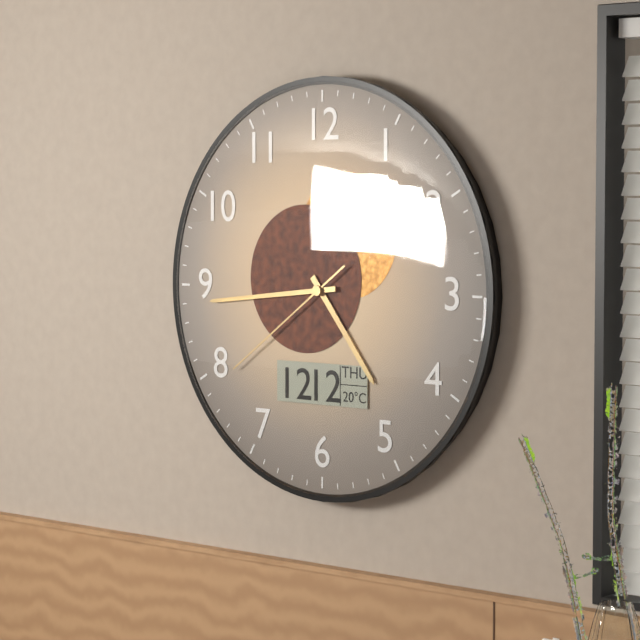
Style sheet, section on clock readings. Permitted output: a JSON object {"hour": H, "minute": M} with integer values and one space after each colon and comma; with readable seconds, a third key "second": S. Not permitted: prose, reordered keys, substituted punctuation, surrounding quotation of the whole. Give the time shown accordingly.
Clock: {"hour": 4, "minute": 44, "second": 39}
